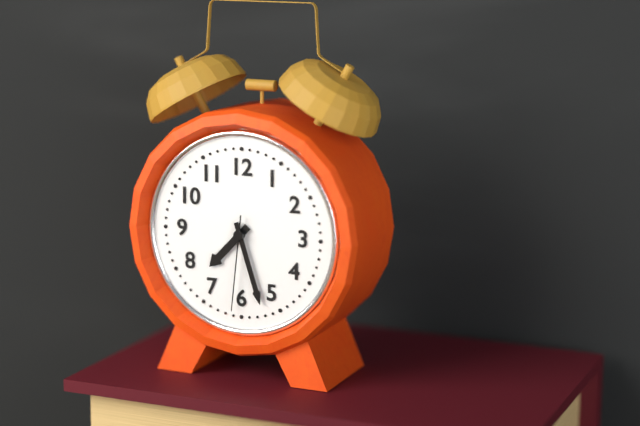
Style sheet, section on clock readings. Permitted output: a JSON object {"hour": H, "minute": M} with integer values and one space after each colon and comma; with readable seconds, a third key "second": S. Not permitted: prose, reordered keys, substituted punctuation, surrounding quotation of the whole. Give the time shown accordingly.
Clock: {"hour": 7, "minute": 27, "second": 31}
